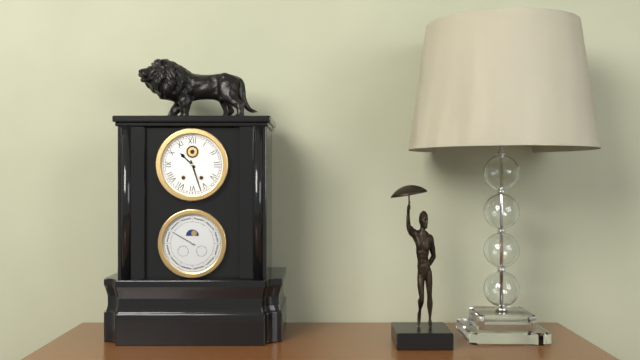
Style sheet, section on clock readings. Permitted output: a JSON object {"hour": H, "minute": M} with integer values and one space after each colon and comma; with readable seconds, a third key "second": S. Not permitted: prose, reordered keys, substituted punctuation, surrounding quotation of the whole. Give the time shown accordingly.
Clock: {"hour": 10, "minute": 27}
